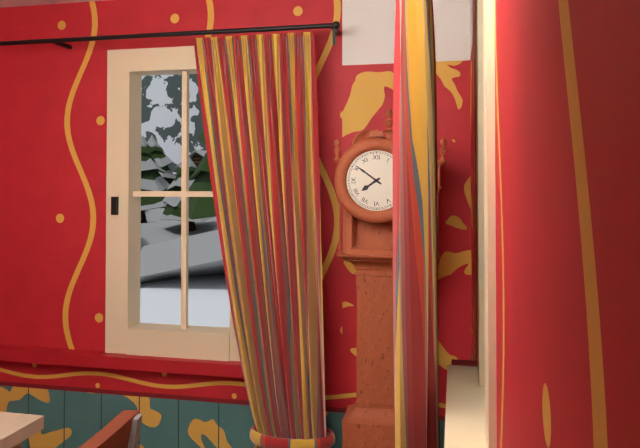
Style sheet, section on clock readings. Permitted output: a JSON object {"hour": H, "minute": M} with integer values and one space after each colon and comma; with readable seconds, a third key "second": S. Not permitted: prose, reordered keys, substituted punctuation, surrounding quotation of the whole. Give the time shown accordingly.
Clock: {"hour": 7, "minute": 51}
